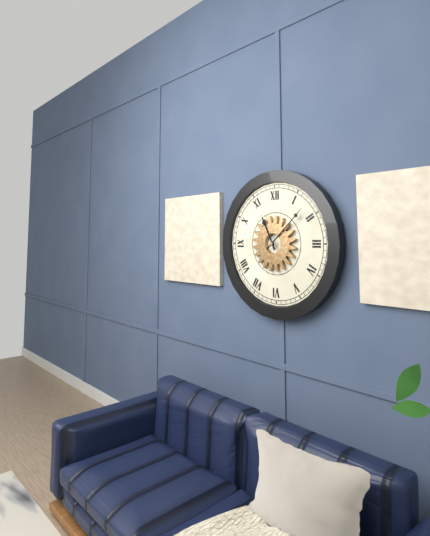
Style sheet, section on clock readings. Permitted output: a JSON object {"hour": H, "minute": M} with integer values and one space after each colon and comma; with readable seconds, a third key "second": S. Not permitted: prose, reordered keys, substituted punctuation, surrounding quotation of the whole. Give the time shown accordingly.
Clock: {"hour": 11, "minute": 8}
